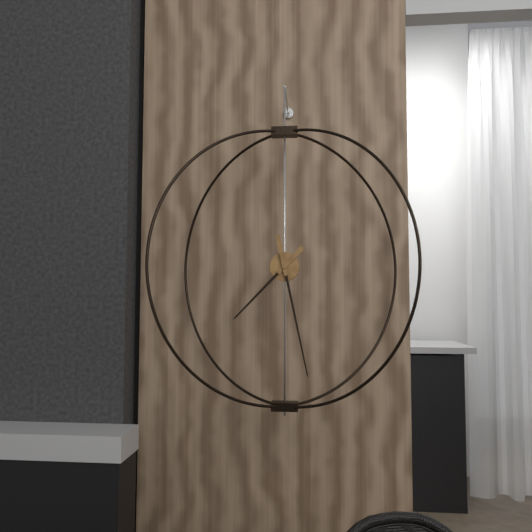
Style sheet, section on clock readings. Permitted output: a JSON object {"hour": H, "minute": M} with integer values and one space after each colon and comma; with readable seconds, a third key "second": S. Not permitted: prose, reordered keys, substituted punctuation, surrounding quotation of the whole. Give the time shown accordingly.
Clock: {"hour": 7, "minute": 28}
